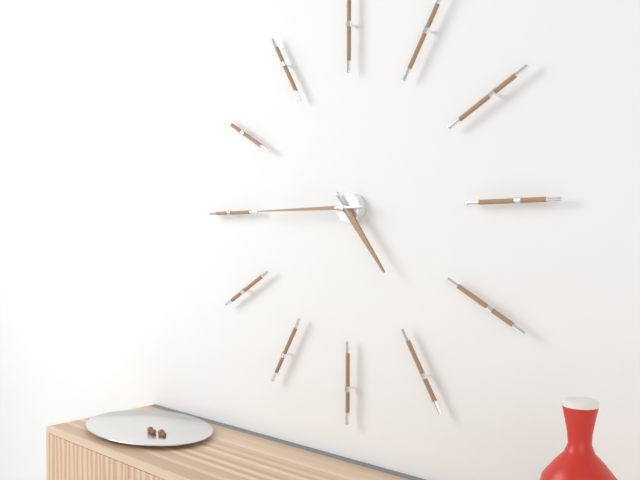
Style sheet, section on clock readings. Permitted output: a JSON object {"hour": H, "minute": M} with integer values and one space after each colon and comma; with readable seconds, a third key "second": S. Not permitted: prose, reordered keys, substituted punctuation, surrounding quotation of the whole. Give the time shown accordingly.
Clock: {"hour": 4, "minute": 45}
